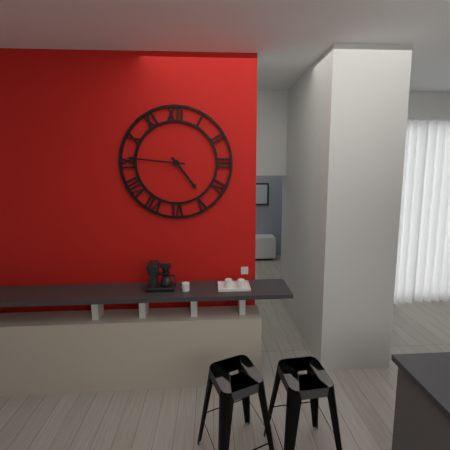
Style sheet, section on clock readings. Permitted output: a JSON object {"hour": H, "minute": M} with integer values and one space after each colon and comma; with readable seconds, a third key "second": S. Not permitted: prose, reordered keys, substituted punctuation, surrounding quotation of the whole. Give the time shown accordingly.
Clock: {"hour": 4, "minute": 46}
